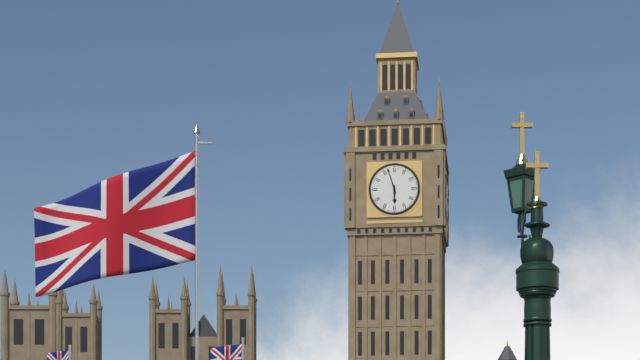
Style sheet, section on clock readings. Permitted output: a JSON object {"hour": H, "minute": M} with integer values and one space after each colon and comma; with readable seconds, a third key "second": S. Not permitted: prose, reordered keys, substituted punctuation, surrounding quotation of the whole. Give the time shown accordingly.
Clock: {"hour": 5, "minute": 57}
